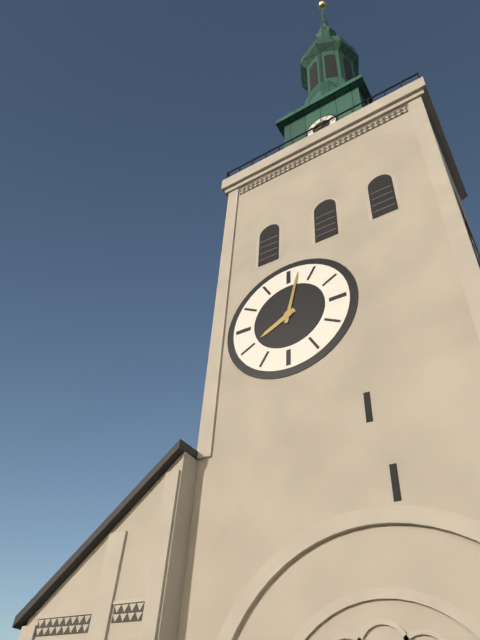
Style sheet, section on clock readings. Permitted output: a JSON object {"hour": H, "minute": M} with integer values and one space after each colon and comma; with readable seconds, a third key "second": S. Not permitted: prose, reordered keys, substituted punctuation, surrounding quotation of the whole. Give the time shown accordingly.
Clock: {"hour": 8, "minute": 2}
